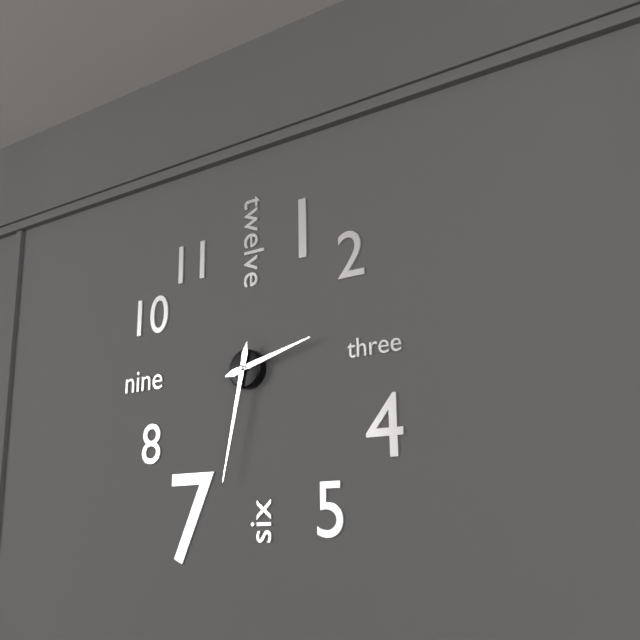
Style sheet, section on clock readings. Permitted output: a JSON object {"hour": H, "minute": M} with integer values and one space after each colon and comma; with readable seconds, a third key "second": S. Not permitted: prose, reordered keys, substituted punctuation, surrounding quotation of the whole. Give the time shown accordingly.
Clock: {"hour": 2, "minute": 32}
